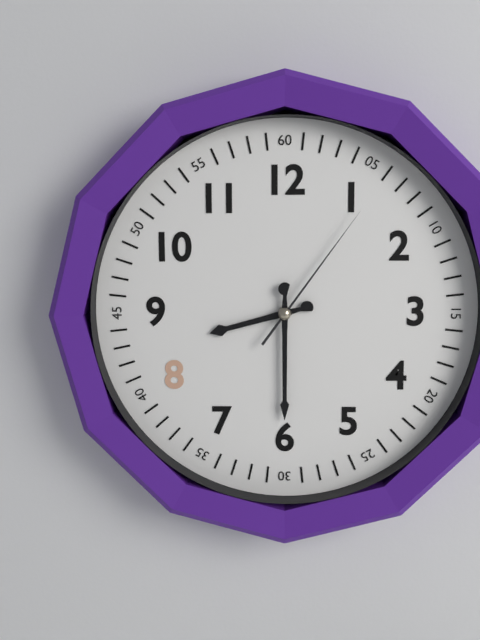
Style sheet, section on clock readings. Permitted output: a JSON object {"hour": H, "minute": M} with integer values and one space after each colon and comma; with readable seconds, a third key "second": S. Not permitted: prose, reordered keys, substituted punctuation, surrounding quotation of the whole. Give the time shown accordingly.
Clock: {"hour": 8, "minute": 30, "second": 6}
